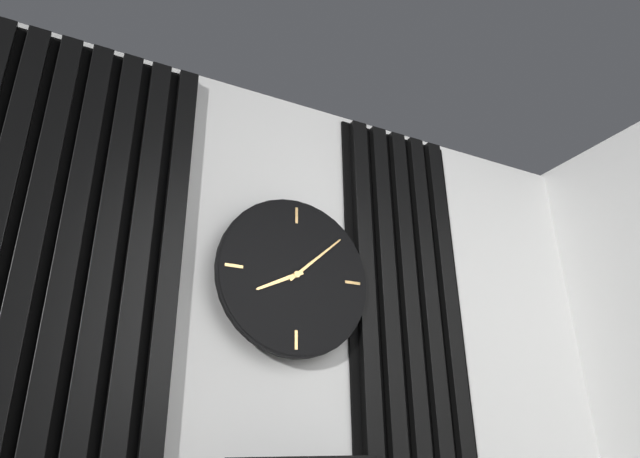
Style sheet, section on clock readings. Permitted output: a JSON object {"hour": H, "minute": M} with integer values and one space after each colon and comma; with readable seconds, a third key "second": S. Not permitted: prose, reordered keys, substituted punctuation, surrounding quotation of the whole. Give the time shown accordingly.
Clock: {"hour": 8, "minute": 8}
